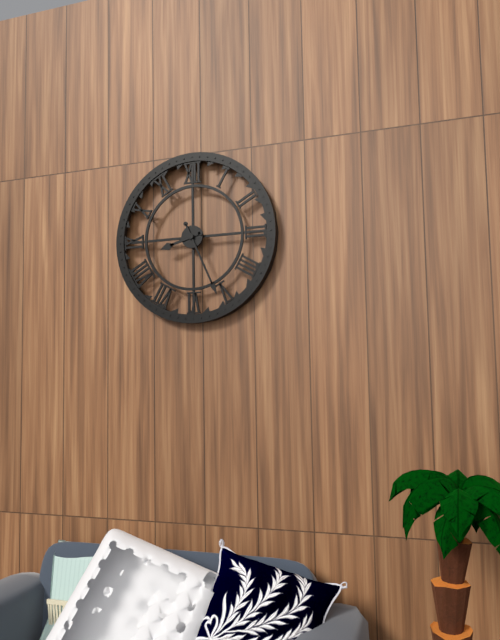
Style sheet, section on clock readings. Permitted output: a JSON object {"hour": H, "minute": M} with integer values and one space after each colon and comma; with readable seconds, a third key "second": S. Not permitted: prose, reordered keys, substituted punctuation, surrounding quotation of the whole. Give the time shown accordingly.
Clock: {"hour": 8, "minute": 26}
